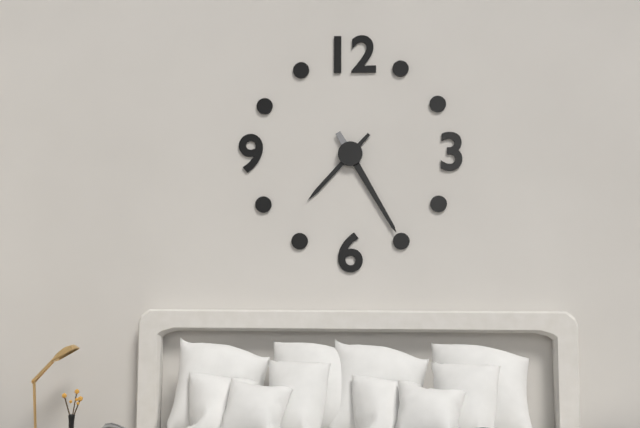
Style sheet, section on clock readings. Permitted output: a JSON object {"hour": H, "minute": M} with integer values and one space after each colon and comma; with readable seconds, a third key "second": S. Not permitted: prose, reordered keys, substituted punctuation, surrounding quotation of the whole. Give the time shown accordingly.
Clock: {"hour": 7, "minute": 25}
